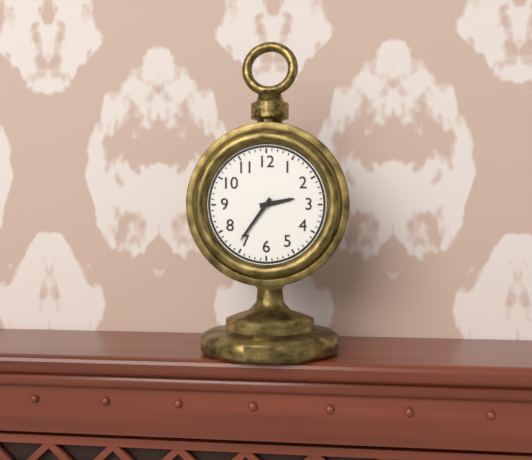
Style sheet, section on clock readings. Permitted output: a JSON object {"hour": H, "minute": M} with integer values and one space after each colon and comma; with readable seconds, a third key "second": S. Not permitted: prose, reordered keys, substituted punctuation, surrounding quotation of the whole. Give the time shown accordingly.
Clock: {"hour": 2, "minute": 36}
